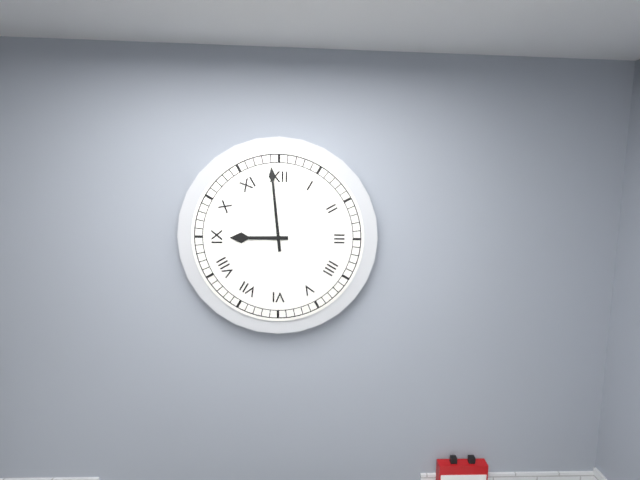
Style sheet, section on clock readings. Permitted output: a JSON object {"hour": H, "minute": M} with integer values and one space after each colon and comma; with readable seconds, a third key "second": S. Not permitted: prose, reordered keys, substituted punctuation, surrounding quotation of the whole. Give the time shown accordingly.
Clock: {"hour": 8, "minute": 59}
